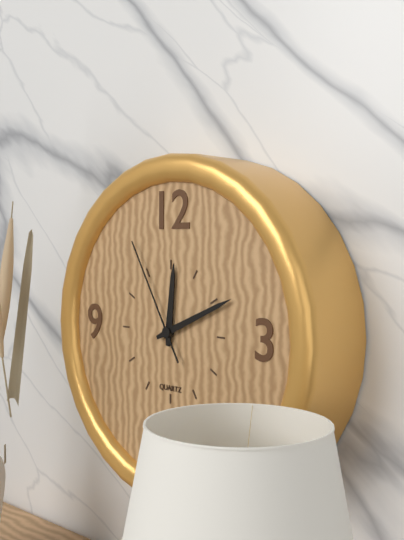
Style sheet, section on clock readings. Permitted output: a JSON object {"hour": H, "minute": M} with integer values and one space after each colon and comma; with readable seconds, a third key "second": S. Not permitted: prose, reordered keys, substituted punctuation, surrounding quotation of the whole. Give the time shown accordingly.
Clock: {"hour": 12, "minute": 11, "second": 55}
